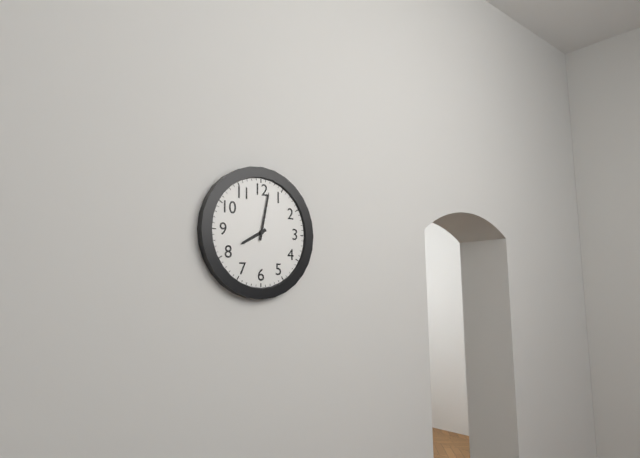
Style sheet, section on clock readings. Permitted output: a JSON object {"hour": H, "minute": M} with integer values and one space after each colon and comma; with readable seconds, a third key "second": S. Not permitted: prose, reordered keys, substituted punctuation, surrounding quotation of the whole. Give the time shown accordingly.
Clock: {"hour": 8, "minute": 2}
